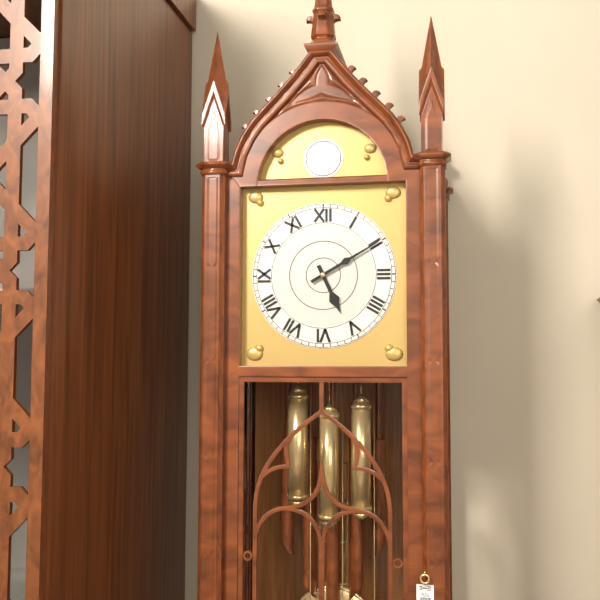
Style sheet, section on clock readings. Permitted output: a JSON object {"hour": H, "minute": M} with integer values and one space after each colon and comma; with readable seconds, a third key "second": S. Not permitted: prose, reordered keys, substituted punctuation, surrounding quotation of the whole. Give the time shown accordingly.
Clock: {"hour": 5, "minute": 10}
